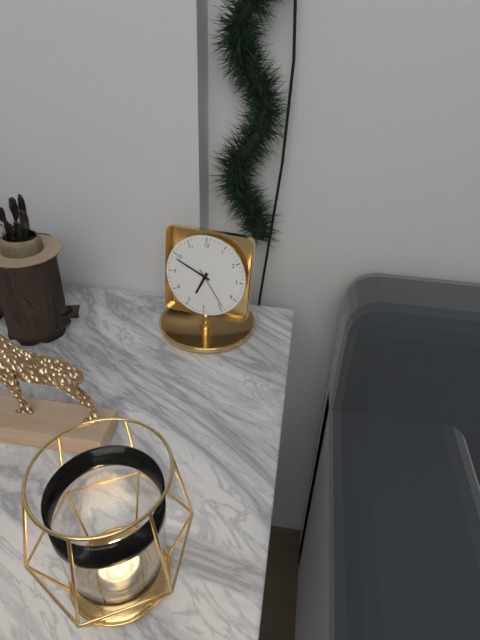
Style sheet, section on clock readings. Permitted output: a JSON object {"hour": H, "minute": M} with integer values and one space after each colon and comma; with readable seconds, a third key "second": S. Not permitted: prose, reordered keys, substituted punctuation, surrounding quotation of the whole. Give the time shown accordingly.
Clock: {"hour": 6, "minute": 49}
